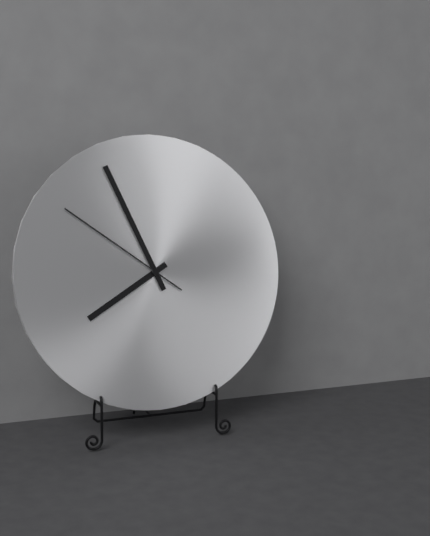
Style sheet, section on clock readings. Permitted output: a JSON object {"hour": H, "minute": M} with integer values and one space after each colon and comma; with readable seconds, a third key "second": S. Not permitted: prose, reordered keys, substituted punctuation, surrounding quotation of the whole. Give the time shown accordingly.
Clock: {"hour": 7, "minute": 56, "second": 51}
